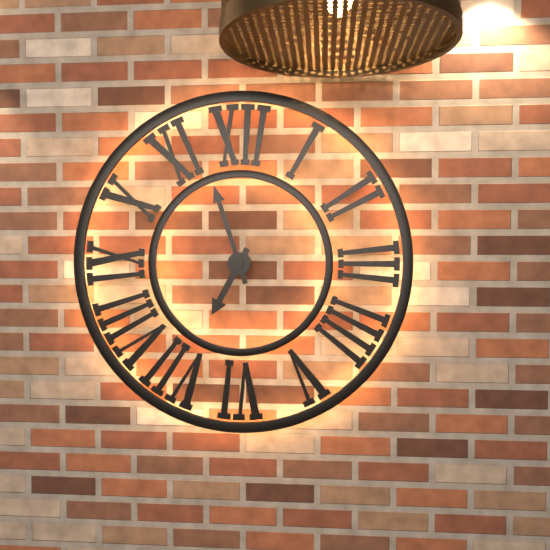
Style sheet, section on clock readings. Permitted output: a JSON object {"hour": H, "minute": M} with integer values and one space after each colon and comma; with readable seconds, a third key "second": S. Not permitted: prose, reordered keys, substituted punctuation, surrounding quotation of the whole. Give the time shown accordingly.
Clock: {"hour": 6, "minute": 57}
